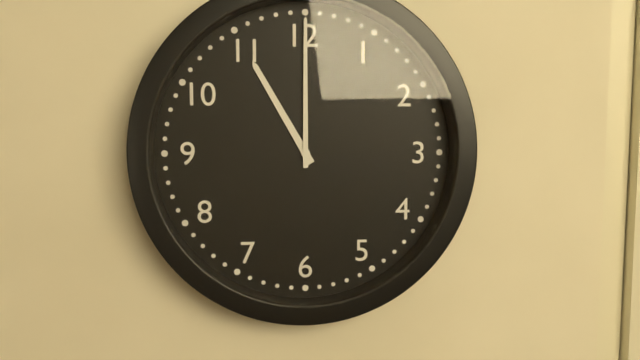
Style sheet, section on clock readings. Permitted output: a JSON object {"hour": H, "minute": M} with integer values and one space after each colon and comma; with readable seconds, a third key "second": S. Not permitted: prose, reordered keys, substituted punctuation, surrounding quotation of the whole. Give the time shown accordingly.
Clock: {"hour": 11, "minute": 0}
